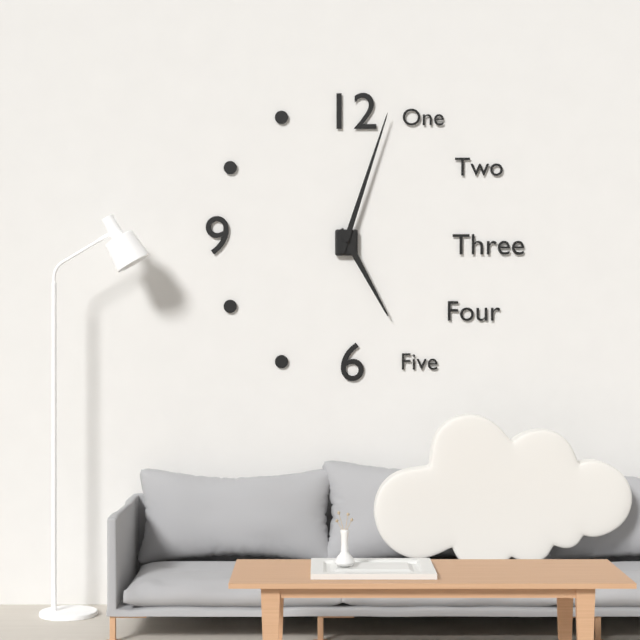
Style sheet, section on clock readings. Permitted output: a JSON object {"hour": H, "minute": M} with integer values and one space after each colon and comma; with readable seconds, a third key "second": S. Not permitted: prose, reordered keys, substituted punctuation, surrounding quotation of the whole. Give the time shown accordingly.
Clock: {"hour": 5, "minute": 3}
